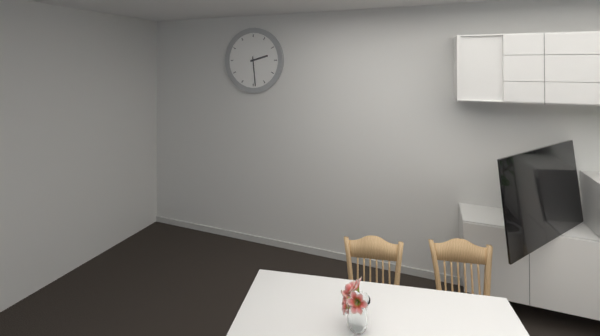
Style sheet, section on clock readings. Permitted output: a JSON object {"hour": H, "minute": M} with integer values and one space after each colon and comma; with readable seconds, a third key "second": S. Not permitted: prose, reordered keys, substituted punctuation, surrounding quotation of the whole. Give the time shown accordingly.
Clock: {"hour": 2, "minute": 29}
